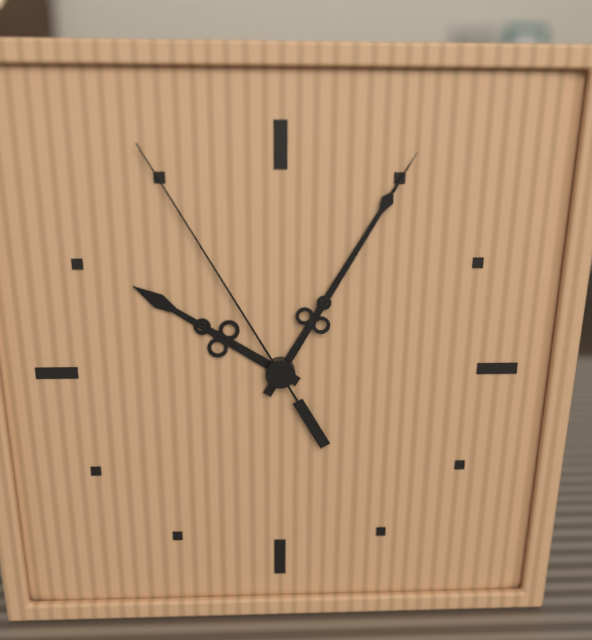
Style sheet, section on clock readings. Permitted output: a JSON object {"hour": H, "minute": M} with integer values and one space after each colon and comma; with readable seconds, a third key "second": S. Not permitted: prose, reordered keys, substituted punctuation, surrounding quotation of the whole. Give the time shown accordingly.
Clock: {"hour": 10, "minute": 5, "second": 55}
